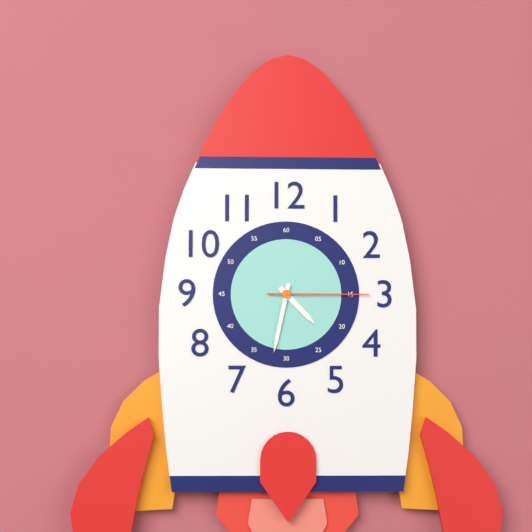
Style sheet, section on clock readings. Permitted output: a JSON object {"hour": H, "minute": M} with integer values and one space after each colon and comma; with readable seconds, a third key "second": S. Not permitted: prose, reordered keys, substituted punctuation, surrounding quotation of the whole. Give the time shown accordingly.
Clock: {"hour": 4, "minute": 32, "second": 15}
